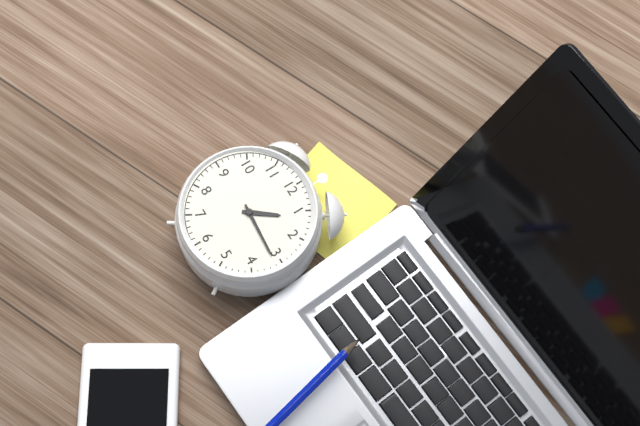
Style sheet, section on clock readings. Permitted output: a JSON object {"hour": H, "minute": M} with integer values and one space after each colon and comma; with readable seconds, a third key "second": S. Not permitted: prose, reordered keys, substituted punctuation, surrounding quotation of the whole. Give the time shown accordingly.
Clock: {"hour": 1, "minute": 16}
